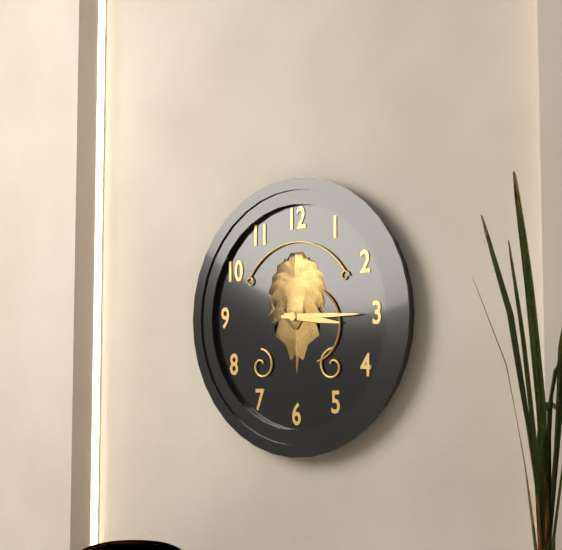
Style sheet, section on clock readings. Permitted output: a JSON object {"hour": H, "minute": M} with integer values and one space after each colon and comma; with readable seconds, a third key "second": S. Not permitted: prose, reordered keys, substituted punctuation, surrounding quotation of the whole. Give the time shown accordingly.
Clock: {"hour": 3, "minute": 15}
